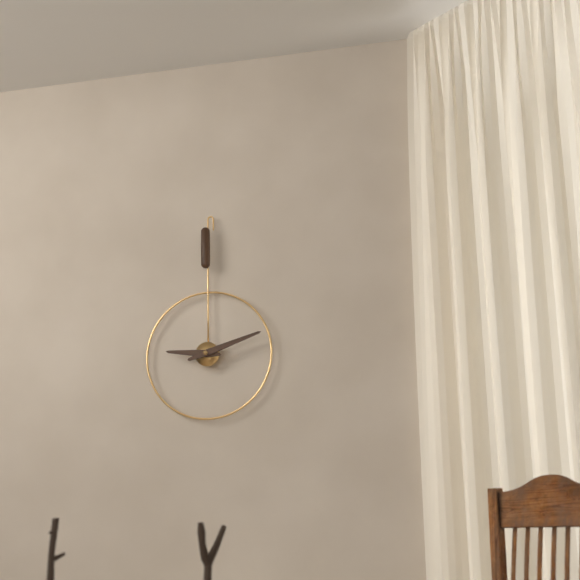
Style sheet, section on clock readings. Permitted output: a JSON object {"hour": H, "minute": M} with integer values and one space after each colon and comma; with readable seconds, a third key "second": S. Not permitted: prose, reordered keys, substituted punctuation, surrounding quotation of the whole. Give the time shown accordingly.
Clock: {"hour": 9, "minute": 12}
